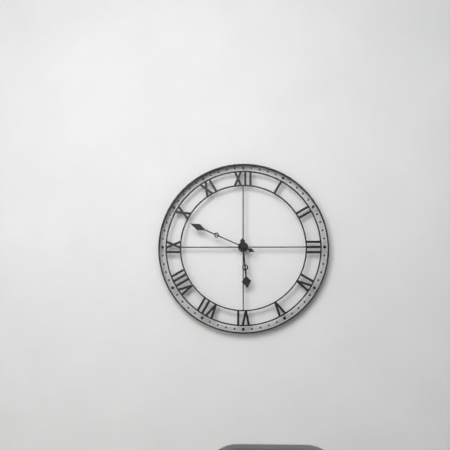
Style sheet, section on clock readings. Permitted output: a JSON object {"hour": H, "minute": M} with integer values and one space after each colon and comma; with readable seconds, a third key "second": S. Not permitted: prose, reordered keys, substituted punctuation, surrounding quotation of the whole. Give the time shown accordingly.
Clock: {"hour": 5, "minute": 49}
